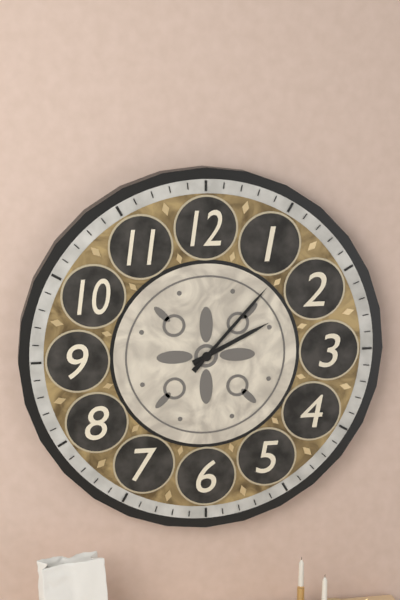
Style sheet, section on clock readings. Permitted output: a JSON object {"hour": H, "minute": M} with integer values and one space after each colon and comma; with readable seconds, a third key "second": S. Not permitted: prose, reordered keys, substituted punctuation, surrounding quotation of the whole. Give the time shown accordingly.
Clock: {"hour": 2, "minute": 7}
